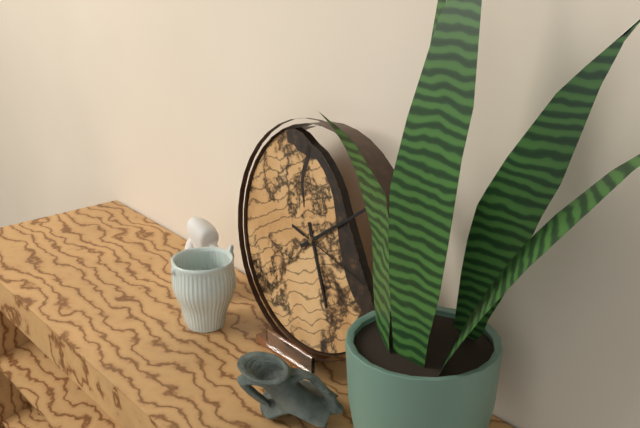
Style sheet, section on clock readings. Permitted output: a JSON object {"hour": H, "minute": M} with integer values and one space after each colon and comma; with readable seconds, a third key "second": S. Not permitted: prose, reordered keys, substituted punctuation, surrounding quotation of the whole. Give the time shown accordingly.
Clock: {"hour": 5, "minute": 9, "second": 17}
